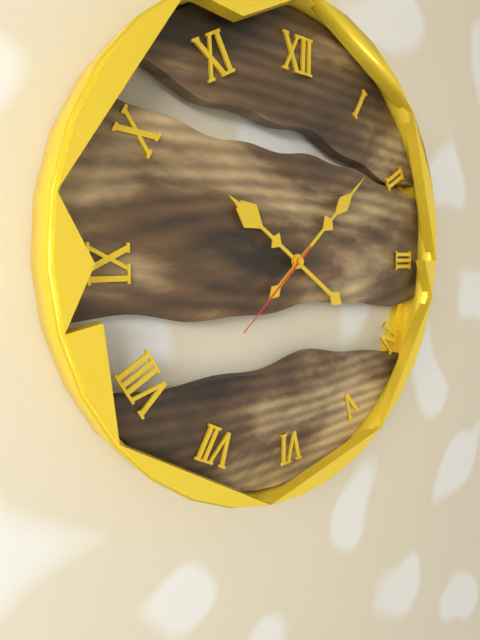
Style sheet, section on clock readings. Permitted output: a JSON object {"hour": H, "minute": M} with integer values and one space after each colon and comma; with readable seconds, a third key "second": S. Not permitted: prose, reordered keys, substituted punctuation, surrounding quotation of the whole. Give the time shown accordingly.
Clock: {"hour": 10, "minute": 8, "second": 38}
